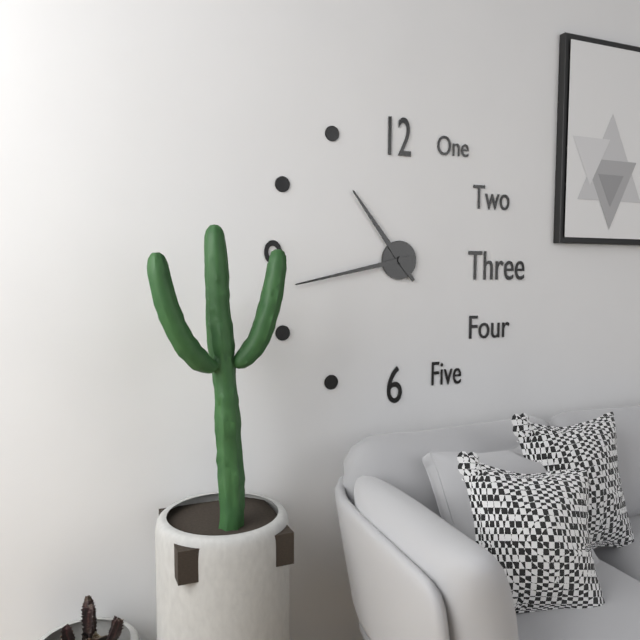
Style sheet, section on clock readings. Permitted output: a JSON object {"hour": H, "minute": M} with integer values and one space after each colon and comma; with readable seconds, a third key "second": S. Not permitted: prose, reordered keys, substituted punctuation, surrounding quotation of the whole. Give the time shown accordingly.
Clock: {"hour": 10, "minute": 43}
